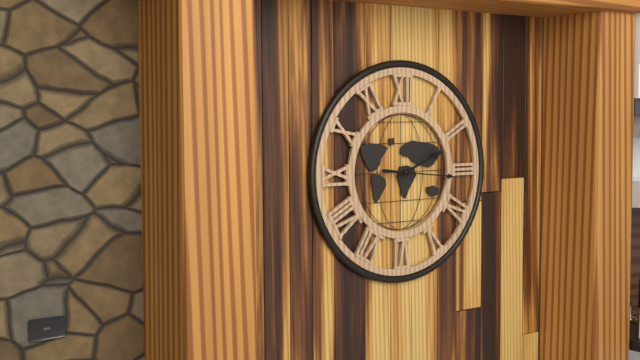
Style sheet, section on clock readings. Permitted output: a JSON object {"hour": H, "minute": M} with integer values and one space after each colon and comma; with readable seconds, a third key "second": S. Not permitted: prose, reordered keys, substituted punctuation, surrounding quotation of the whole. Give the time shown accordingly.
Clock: {"hour": 2, "minute": 16}
